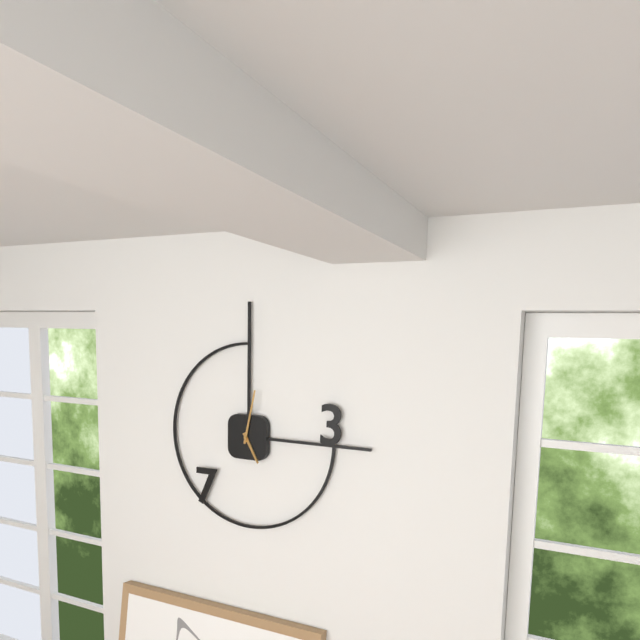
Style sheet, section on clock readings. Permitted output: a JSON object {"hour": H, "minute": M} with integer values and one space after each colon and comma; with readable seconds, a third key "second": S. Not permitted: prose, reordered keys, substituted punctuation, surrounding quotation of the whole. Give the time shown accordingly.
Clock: {"hour": 5, "minute": 2}
